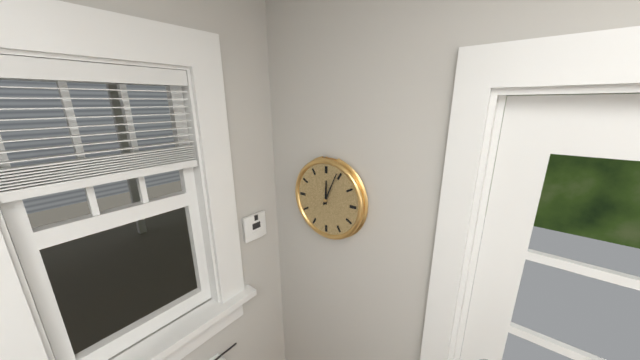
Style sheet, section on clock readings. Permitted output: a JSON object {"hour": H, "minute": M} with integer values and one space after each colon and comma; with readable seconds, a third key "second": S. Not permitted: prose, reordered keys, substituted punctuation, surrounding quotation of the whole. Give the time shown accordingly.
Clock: {"hour": 12, "minute": 4}
